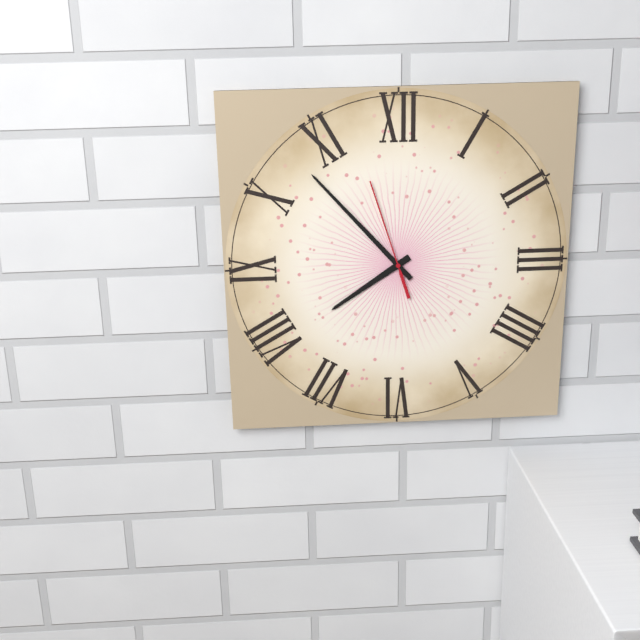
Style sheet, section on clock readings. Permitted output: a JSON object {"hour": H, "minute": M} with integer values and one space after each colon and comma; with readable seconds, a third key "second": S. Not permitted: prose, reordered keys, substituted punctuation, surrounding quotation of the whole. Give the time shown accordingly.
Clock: {"hour": 7, "minute": 53, "second": 57}
